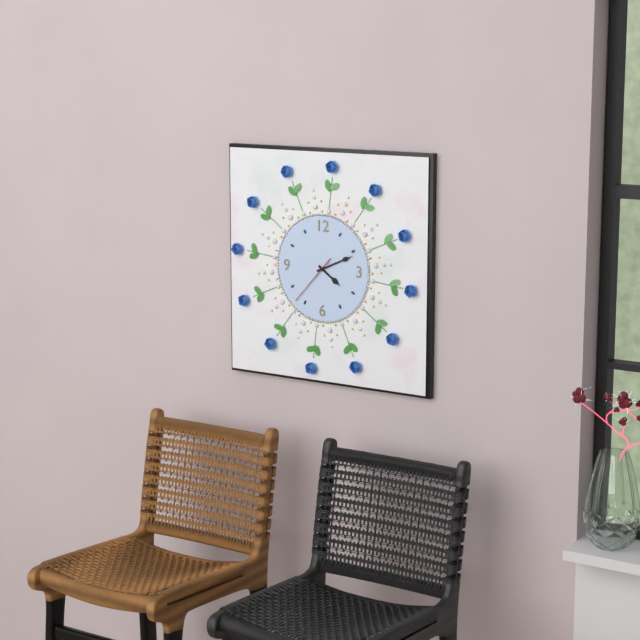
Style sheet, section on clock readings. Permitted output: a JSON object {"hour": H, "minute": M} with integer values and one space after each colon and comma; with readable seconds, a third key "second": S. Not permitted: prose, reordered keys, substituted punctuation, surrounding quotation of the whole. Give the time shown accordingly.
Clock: {"hour": 4, "minute": 11, "second": 37}
